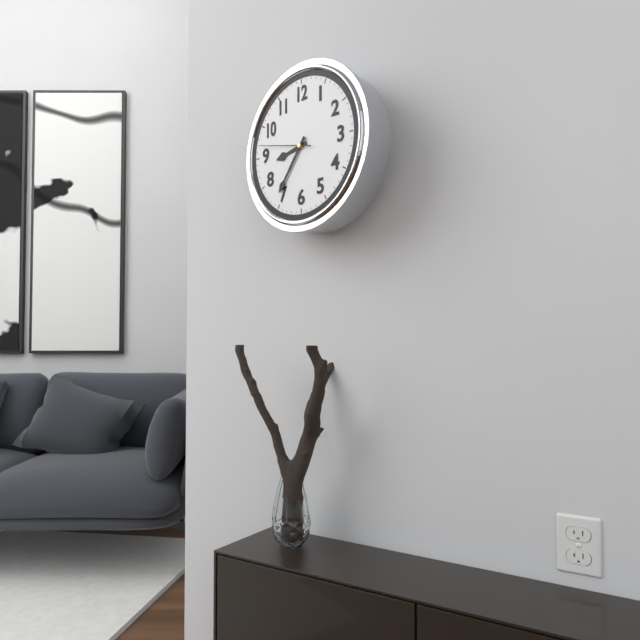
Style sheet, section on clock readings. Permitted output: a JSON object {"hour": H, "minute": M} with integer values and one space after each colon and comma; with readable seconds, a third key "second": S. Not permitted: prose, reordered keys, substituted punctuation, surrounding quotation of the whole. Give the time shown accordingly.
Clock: {"hour": 8, "minute": 36, "second": 47}
